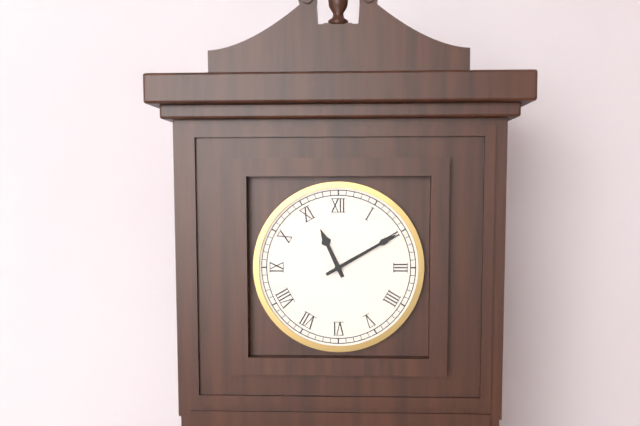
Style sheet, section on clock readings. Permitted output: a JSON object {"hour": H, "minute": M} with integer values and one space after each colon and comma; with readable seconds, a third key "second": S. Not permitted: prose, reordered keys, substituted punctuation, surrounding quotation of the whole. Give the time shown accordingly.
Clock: {"hour": 11, "minute": 10}
